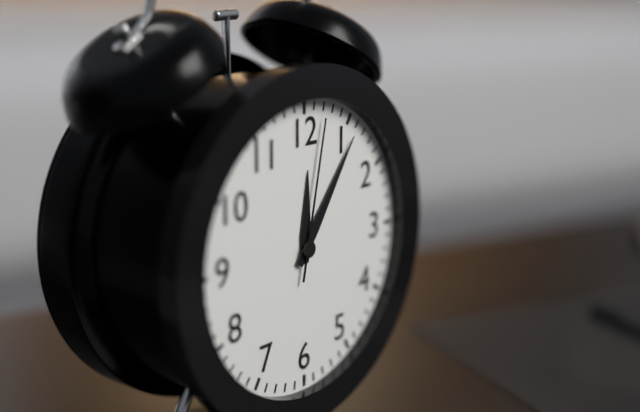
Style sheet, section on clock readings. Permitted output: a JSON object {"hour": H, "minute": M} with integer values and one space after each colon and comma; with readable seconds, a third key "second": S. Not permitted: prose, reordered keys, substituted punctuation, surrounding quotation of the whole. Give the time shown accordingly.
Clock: {"hour": 12, "minute": 6, "second": 2}
